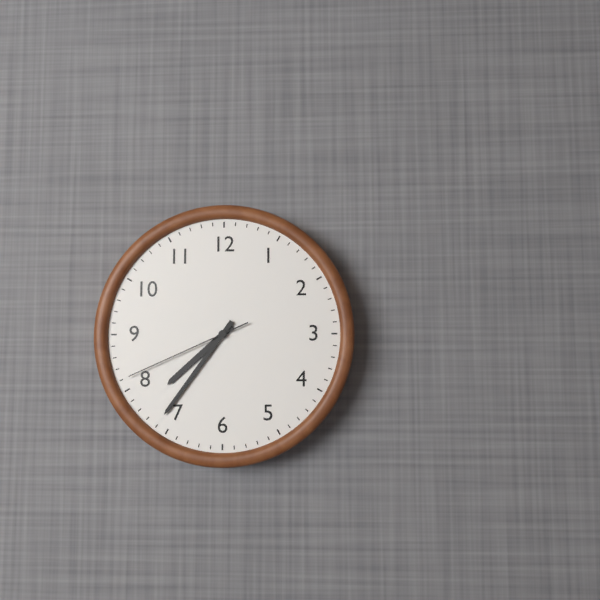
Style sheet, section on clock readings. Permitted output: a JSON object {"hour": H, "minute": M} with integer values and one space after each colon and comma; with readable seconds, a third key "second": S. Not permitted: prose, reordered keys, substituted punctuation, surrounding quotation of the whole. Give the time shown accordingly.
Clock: {"hour": 7, "minute": 36, "second": 41}
